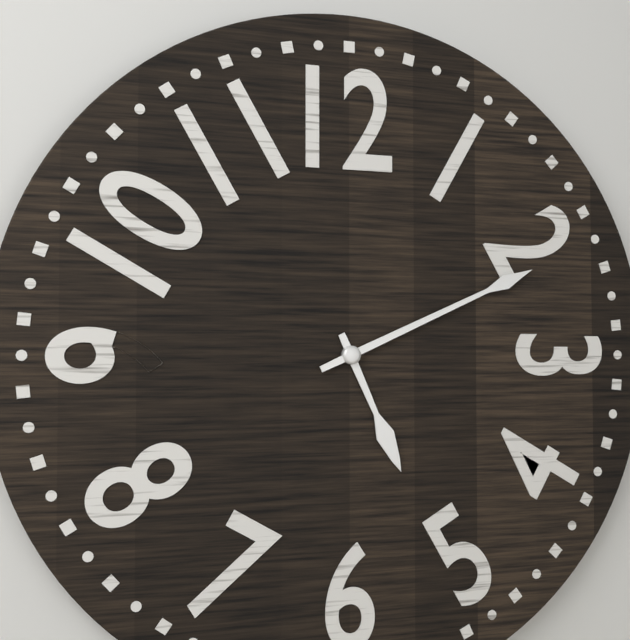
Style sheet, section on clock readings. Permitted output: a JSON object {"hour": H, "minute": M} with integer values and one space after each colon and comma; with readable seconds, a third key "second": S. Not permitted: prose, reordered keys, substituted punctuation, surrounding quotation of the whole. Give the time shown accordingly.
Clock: {"hour": 5, "minute": 11}
